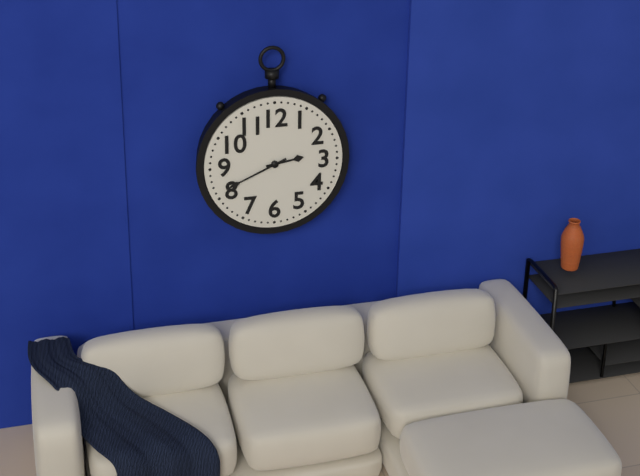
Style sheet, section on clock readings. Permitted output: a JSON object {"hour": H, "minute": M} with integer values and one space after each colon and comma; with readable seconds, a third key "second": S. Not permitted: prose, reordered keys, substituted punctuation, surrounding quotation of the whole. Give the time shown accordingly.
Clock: {"hour": 2, "minute": 41}
